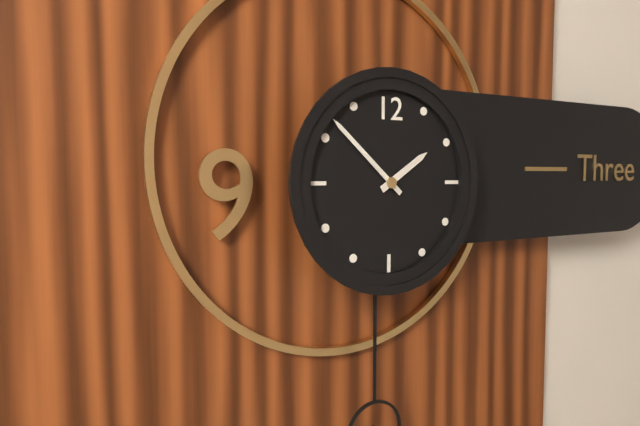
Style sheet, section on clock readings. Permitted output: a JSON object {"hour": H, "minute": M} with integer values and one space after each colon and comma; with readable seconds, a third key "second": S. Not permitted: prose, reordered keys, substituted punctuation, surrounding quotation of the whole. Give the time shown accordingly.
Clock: {"hour": 1, "minute": 52}
